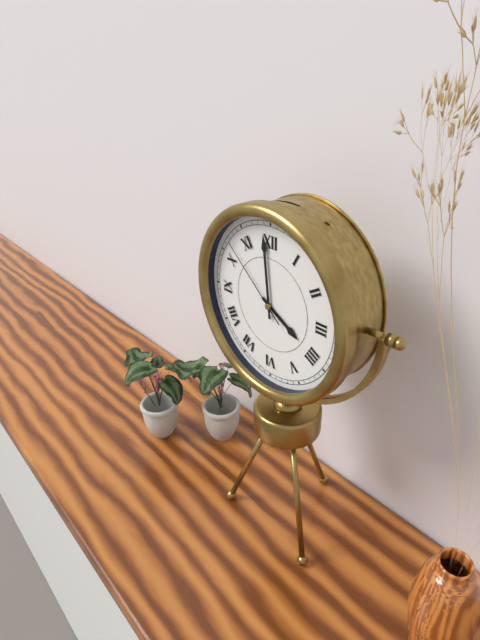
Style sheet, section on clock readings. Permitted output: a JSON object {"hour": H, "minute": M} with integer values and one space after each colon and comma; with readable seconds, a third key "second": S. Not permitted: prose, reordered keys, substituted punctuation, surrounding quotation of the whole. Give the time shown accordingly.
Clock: {"hour": 3, "minute": 59, "second": 52}
